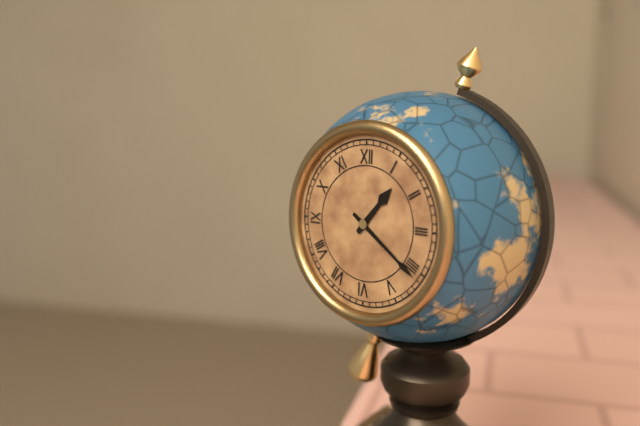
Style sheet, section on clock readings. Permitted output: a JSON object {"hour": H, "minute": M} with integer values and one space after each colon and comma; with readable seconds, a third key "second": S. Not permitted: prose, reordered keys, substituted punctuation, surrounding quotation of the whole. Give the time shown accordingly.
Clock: {"hour": 1, "minute": 21}
